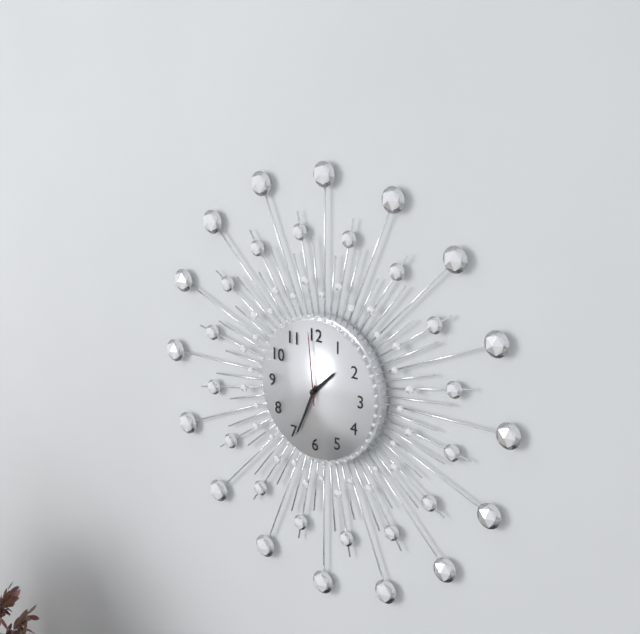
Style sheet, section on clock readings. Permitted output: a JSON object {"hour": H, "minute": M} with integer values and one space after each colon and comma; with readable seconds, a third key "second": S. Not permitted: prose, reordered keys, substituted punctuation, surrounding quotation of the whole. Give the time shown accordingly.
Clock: {"hour": 1, "minute": 34, "second": 59}
